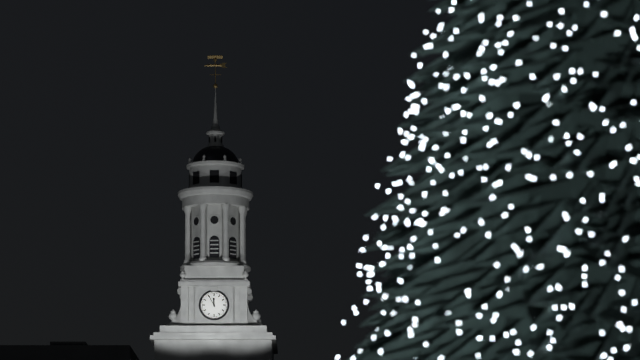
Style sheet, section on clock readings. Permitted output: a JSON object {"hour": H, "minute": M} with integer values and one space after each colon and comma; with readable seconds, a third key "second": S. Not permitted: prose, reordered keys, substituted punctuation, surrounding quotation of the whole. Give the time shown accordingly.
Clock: {"hour": 11, "minute": 55}
